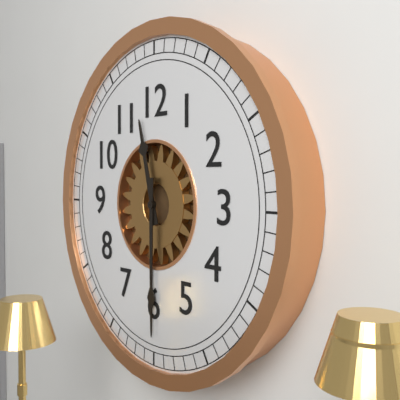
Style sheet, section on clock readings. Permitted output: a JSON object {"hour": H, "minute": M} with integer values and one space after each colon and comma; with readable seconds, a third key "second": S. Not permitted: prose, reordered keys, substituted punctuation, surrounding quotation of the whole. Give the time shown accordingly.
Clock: {"hour": 11, "minute": 30}
